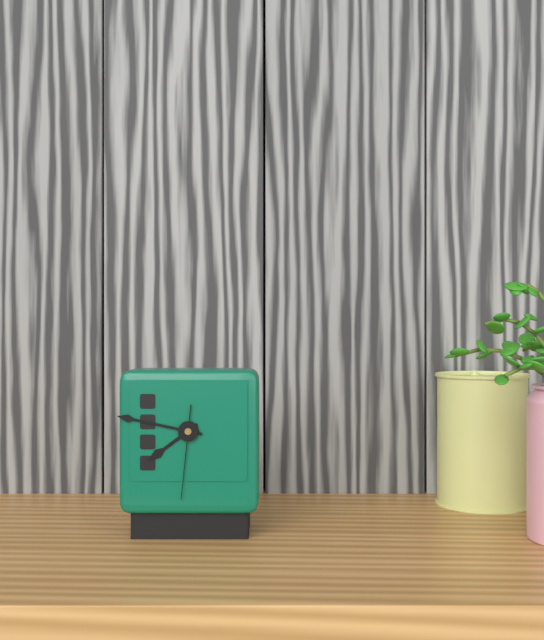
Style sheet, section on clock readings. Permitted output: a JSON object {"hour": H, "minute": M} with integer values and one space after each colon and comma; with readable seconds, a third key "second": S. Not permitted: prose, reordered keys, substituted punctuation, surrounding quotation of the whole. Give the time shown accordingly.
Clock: {"hour": 7, "minute": 47, "second": 31}
